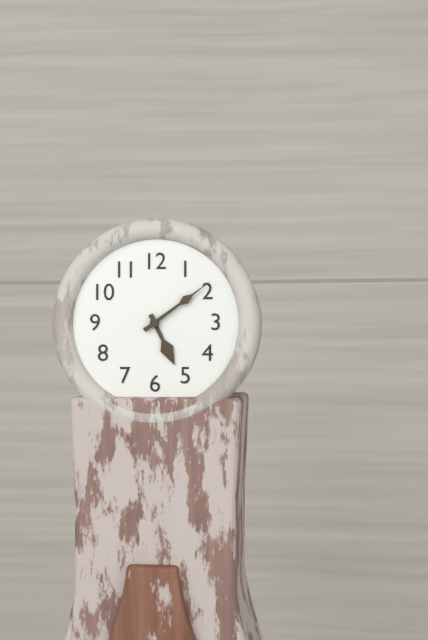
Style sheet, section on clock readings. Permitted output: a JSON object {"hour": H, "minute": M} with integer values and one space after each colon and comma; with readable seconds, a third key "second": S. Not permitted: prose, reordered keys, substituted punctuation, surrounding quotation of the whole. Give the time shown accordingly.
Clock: {"hour": 5, "minute": 9}
